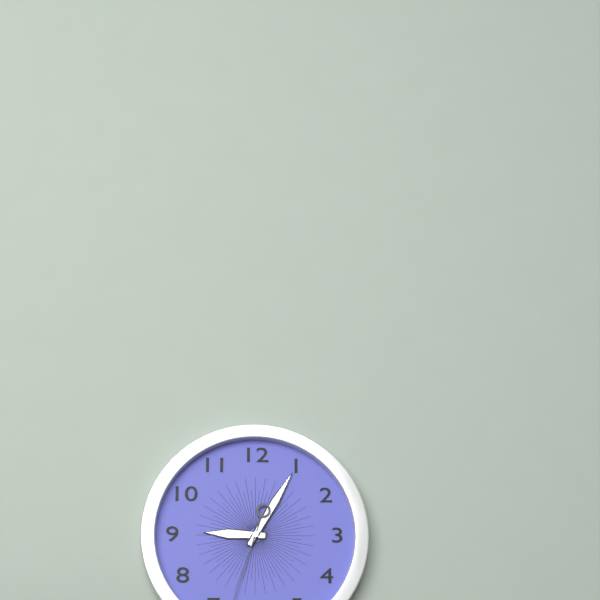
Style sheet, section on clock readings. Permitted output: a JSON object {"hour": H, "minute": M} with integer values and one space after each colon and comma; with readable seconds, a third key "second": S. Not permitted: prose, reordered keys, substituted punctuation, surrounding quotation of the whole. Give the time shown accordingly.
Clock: {"hour": 9, "minute": 5}
